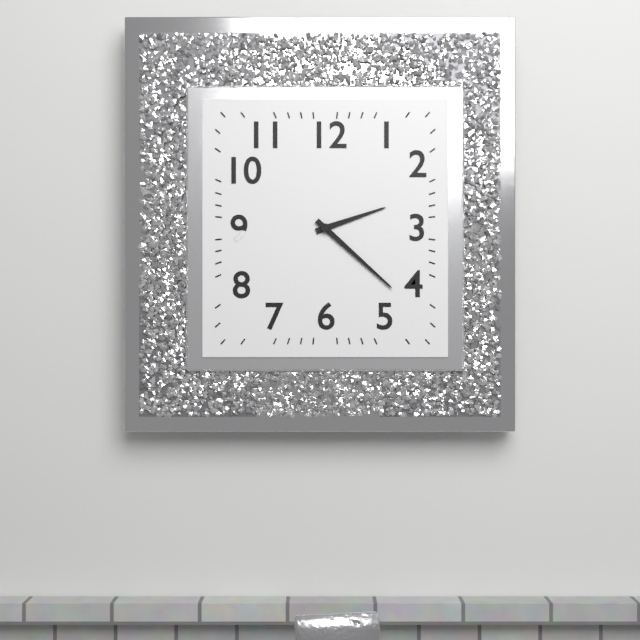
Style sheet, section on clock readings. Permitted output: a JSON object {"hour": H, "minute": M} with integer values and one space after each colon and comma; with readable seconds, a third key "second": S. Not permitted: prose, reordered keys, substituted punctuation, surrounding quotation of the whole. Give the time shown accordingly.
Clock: {"hour": 2, "minute": 22}
